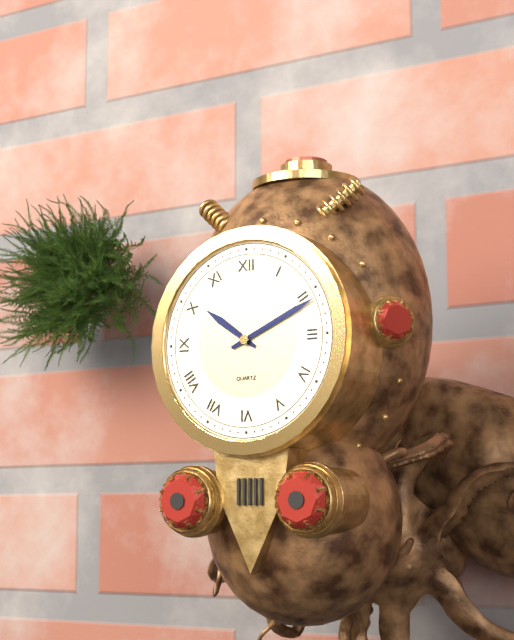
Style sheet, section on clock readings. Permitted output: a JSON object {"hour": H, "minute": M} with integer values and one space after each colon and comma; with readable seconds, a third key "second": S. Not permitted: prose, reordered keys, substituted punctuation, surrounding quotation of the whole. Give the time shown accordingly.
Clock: {"hour": 10, "minute": 11}
